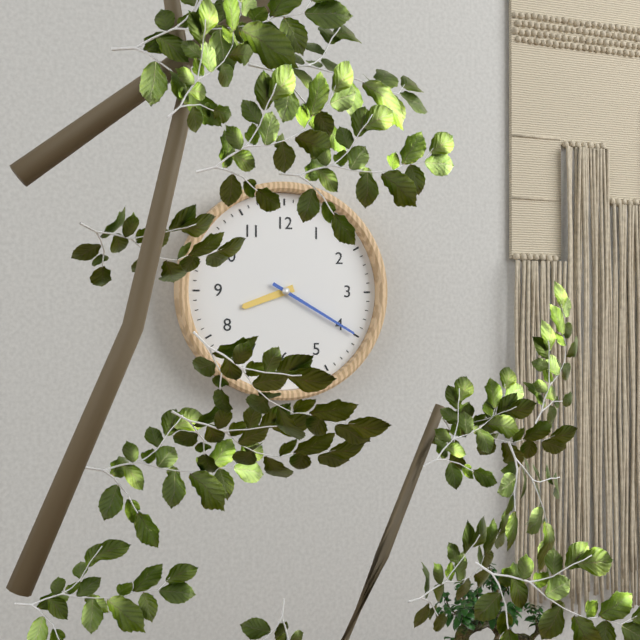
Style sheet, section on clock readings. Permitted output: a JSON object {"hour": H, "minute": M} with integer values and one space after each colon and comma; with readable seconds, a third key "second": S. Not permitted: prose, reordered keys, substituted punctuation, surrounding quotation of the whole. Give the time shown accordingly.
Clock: {"hour": 8, "minute": 20}
